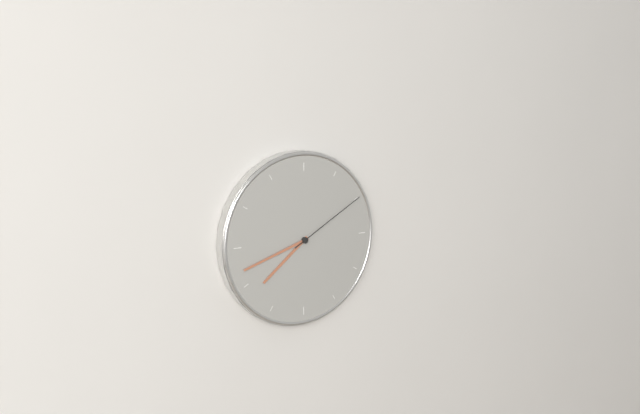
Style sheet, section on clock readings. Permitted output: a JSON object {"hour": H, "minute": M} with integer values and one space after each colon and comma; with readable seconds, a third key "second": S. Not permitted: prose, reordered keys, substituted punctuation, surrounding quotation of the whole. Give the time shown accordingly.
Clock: {"hour": 7, "minute": 42, "second": 10}
